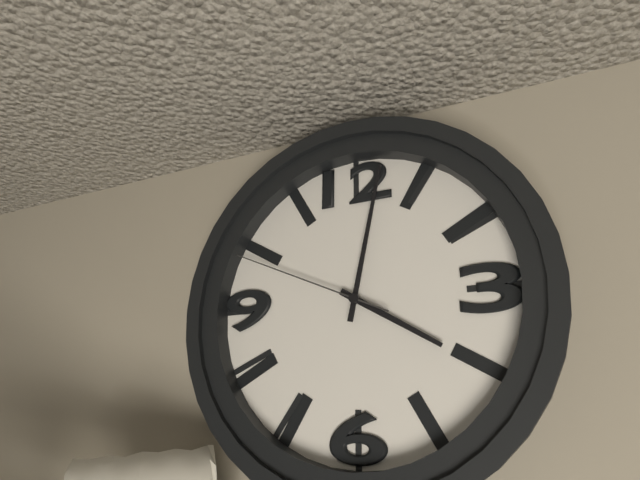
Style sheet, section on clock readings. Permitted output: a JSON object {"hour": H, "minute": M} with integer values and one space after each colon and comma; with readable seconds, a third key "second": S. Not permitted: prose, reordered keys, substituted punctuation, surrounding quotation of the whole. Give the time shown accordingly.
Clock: {"hour": 4, "minute": 2, "second": 49}
